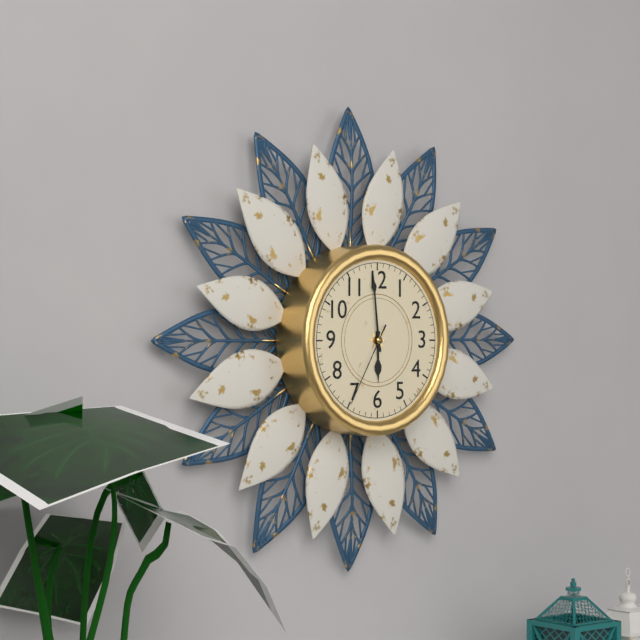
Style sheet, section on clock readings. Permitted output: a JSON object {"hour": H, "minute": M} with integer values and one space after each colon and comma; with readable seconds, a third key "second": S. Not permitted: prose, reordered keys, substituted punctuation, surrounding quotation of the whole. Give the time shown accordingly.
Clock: {"hour": 5, "minute": 59, "second": 35}
